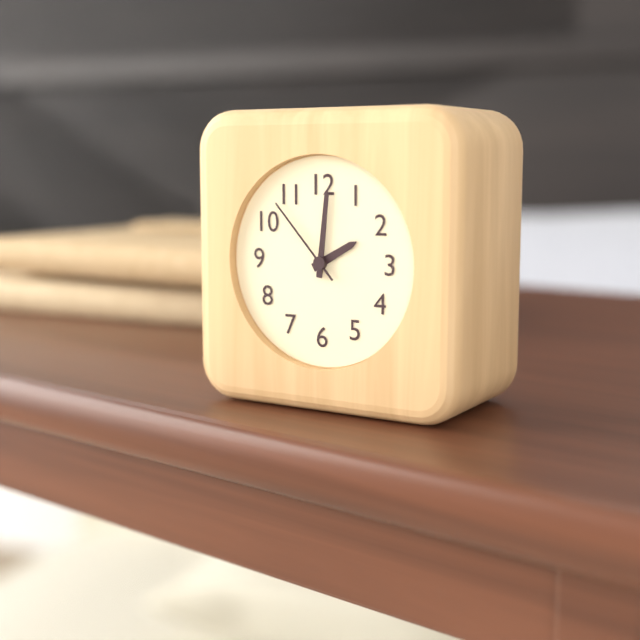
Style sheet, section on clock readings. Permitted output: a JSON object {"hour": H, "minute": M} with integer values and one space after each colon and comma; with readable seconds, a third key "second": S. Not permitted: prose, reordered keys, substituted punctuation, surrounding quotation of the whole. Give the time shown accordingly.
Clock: {"hour": 2, "minute": 1, "second": 53}
